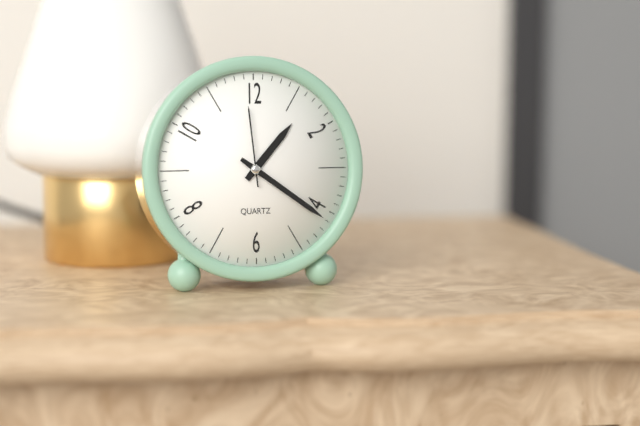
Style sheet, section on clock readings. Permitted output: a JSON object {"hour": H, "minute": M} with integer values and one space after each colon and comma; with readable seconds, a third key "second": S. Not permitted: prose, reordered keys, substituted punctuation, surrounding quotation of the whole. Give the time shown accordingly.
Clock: {"hour": 1, "minute": 21, "second": 59}
